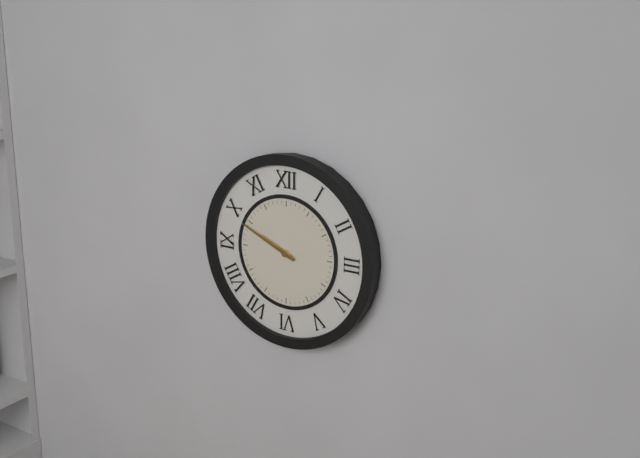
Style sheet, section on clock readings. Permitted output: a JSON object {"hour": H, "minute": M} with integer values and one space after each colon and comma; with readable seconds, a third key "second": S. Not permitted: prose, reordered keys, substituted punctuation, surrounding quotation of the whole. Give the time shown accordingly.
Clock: {"hour": 9, "minute": 49}
